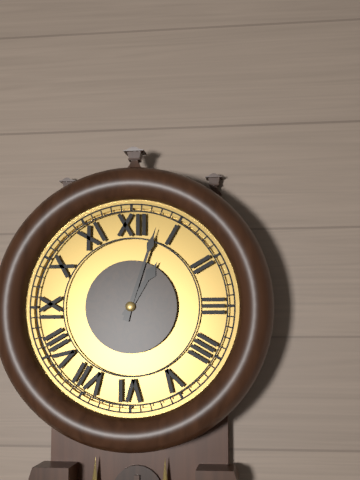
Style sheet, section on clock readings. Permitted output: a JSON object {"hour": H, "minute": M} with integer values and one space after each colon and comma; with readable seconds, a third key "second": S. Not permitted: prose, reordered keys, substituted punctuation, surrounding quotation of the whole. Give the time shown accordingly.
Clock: {"hour": 1, "minute": 3}
